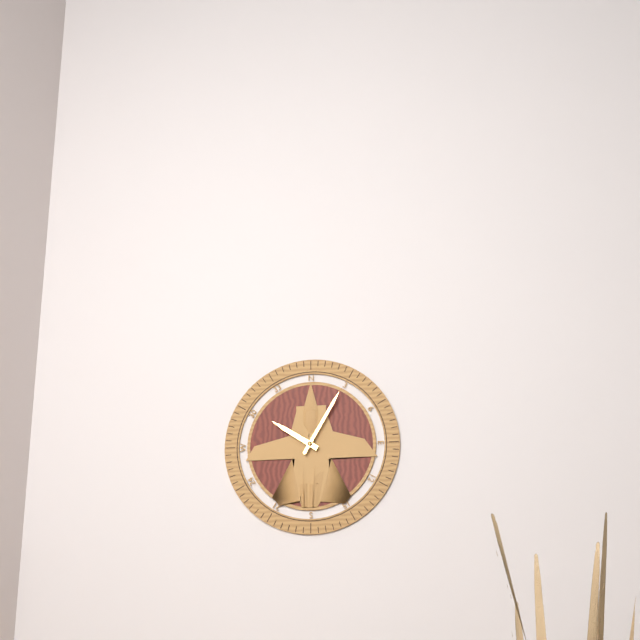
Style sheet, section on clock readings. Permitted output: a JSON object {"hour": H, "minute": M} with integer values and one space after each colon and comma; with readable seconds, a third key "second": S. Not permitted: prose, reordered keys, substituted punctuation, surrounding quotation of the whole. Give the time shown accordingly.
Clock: {"hour": 10, "minute": 5}
